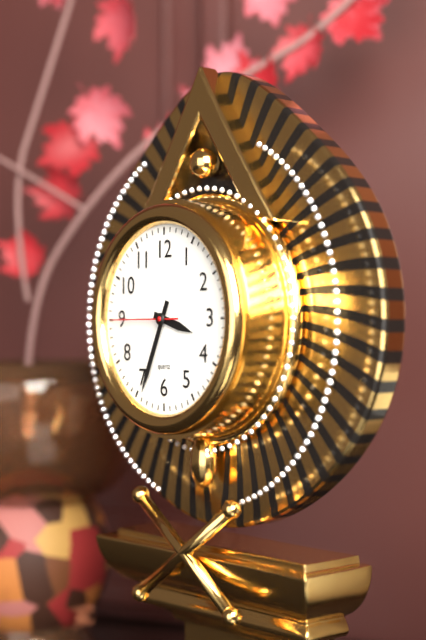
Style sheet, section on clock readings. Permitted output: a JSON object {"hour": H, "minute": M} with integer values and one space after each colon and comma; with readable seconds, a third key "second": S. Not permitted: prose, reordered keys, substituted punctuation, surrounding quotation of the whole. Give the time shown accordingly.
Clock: {"hour": 3, "minute": 34, "second": 45}
